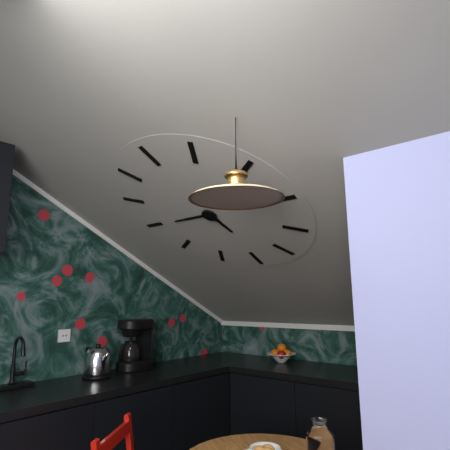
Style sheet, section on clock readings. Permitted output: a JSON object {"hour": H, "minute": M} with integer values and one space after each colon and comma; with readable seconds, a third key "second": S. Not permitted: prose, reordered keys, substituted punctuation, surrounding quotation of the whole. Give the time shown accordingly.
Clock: {"hour": 5, "minute": 45}
